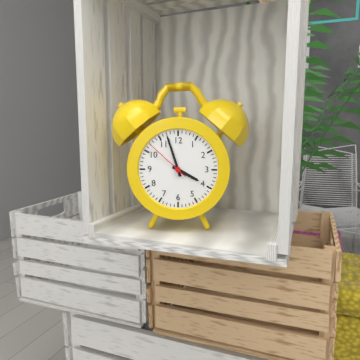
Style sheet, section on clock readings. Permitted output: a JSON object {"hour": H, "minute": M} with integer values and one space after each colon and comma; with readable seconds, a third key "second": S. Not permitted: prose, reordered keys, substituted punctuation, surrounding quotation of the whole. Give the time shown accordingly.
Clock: {"hour": 3, "minute": 57}
